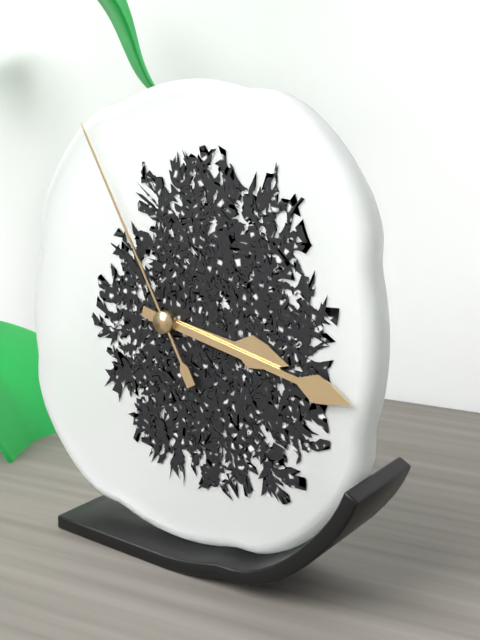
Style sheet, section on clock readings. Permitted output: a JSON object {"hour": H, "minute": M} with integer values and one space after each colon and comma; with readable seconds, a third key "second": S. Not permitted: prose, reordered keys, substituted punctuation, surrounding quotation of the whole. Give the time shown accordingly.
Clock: {"hour": 3, "minute": 17, "second": 55}
